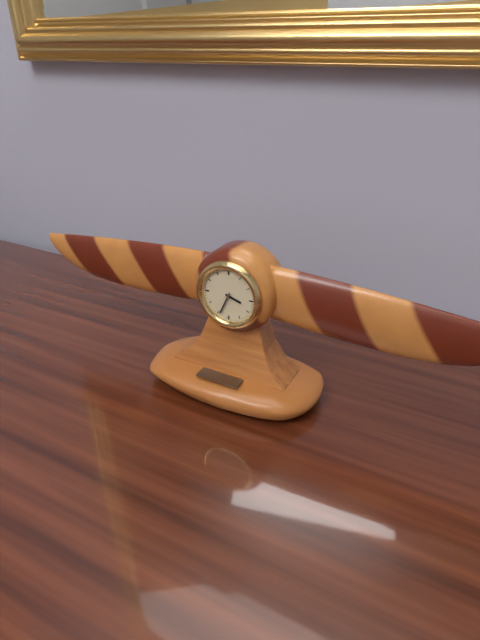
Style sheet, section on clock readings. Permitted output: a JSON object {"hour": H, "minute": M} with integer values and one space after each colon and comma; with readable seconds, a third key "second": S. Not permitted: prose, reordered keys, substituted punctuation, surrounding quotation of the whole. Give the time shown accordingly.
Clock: {"hour": 3, "minute": 34}
